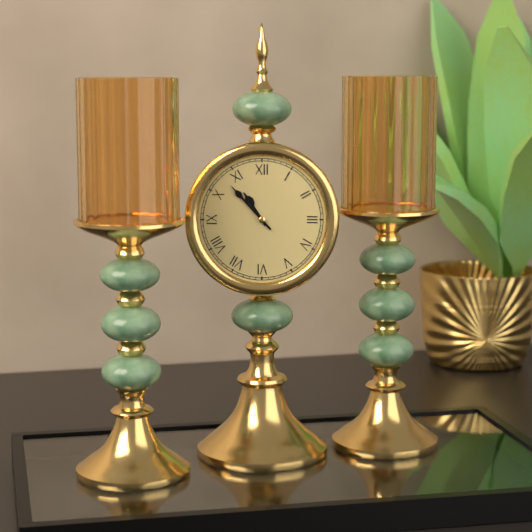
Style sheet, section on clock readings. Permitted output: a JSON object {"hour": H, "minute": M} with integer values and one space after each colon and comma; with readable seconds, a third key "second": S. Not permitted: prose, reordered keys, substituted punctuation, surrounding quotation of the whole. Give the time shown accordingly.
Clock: {"hour": 10, "minute": 53}
